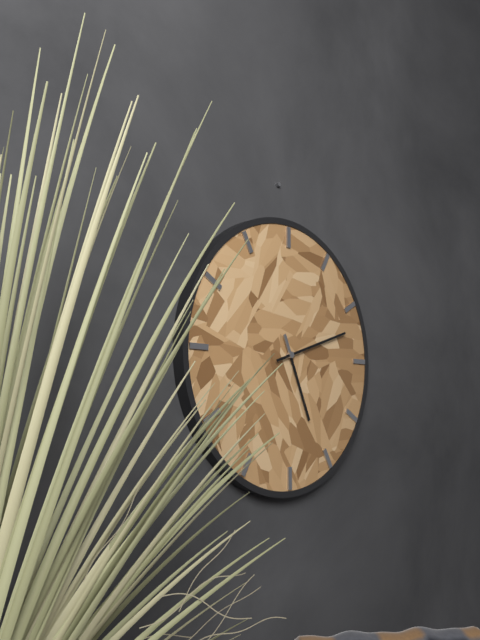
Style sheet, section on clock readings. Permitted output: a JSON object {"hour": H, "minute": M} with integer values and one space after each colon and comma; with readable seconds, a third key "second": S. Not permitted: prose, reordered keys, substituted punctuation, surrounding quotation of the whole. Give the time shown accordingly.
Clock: {"hour": 5, "minute": 12}
